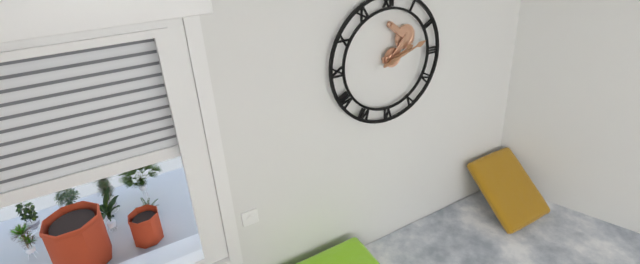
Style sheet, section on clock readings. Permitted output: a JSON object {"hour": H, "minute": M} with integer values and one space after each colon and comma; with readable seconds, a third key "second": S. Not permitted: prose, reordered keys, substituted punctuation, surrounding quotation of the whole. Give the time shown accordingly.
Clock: {"hour": 2, "minute": 12}
